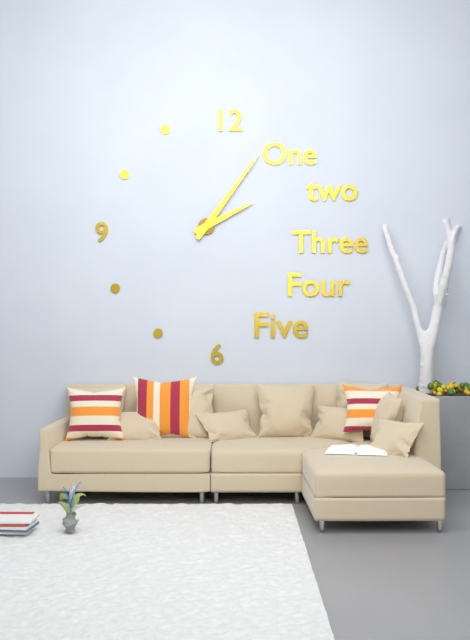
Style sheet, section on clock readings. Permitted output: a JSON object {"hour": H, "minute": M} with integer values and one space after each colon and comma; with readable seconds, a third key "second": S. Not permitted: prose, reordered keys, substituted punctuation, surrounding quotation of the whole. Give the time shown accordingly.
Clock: {"hour": 2, "minute": 6}
